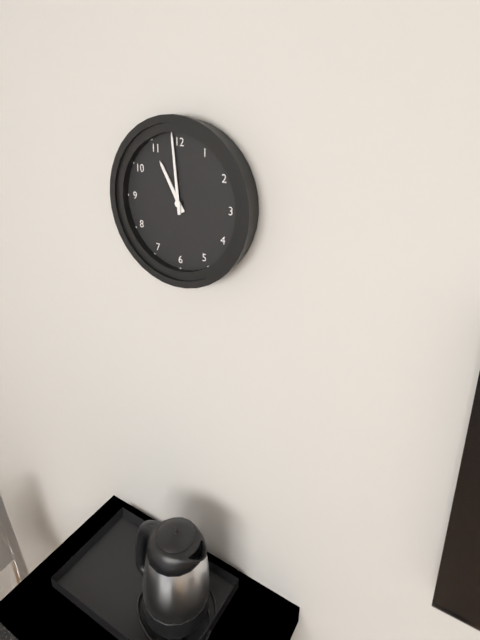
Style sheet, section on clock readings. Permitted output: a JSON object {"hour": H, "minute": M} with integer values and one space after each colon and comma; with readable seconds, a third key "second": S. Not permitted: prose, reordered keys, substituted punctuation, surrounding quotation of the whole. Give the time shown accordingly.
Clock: {"hour": 10, "minute": 59}
